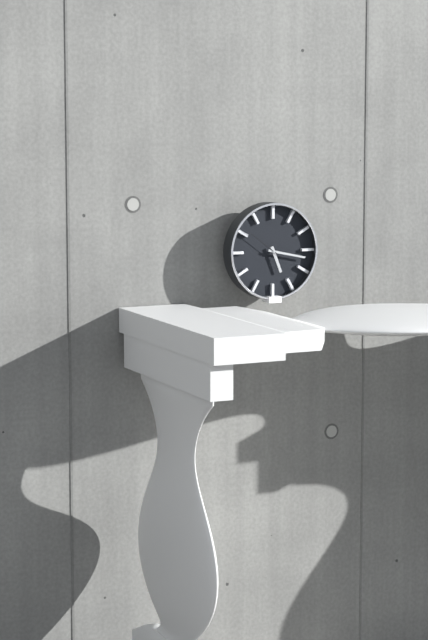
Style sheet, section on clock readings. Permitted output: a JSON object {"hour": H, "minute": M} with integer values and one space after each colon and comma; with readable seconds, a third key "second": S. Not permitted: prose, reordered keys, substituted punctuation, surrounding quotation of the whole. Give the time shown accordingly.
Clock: {"hour": 5, "minute": 17}
